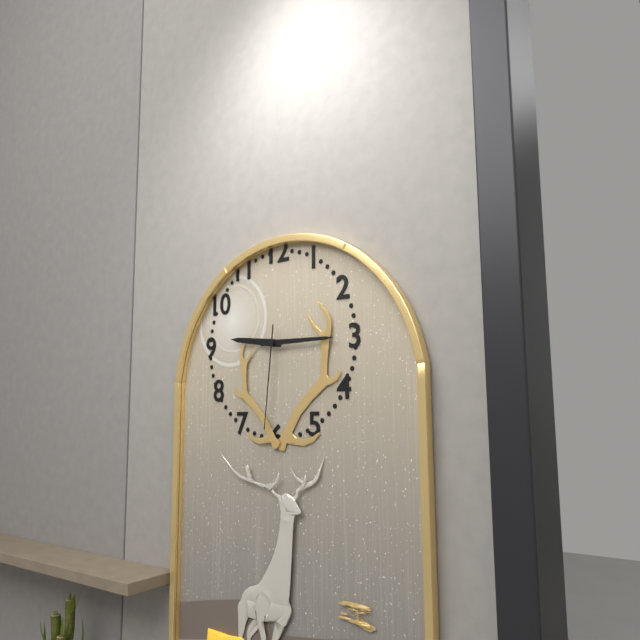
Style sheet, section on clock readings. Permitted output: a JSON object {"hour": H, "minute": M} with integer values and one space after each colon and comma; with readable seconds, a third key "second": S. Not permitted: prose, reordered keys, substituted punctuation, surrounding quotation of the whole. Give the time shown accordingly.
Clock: {"hour": 9, "minute": 15, "second": 31}
